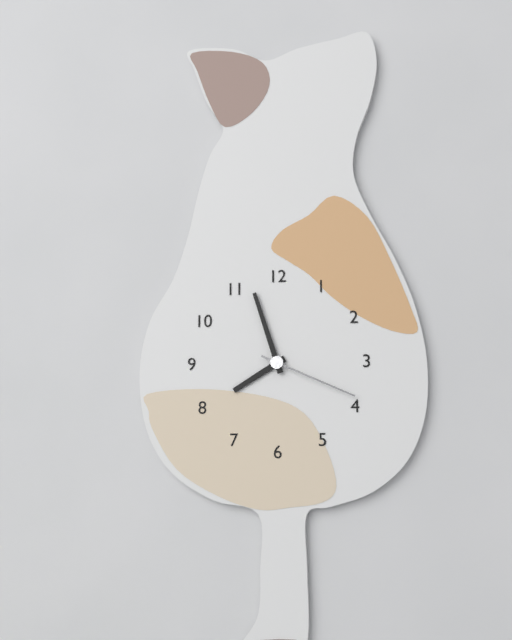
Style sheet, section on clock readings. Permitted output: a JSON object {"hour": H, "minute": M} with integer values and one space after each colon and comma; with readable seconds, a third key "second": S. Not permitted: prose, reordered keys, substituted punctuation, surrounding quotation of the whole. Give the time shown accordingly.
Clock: {"hour": 7, "minute": 57, "second": 19}
